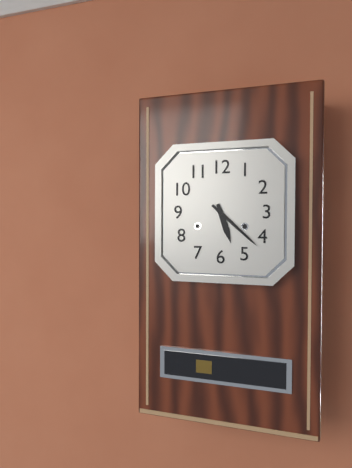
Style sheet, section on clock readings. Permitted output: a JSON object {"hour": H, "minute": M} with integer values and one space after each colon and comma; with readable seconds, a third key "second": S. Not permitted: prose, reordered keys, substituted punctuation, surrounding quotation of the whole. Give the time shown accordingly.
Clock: {"hour": 5, "minute": 22}
